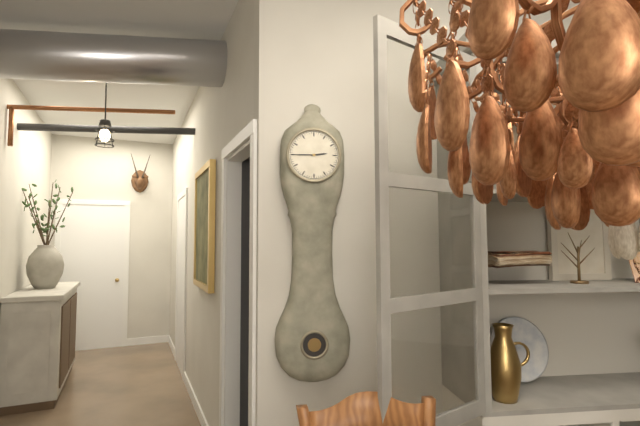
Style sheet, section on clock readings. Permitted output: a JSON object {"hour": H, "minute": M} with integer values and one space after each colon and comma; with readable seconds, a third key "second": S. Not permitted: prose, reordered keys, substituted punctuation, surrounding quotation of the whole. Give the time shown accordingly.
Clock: {"hour": 2, "minute": 45}
